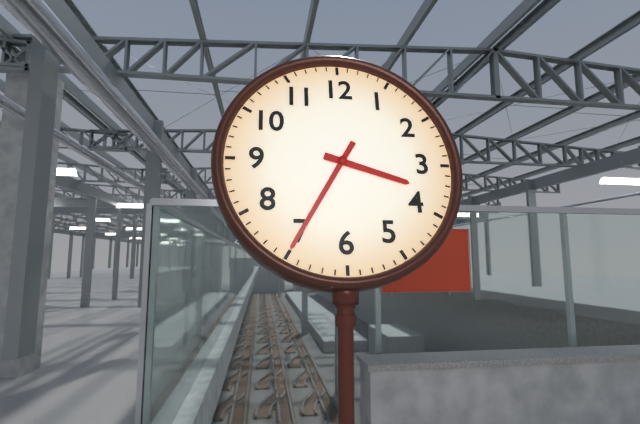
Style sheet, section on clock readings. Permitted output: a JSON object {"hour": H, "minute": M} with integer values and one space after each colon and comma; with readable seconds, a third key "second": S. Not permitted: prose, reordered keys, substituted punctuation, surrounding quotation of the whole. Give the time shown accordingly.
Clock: {"hour": 3, "minute": 35}
